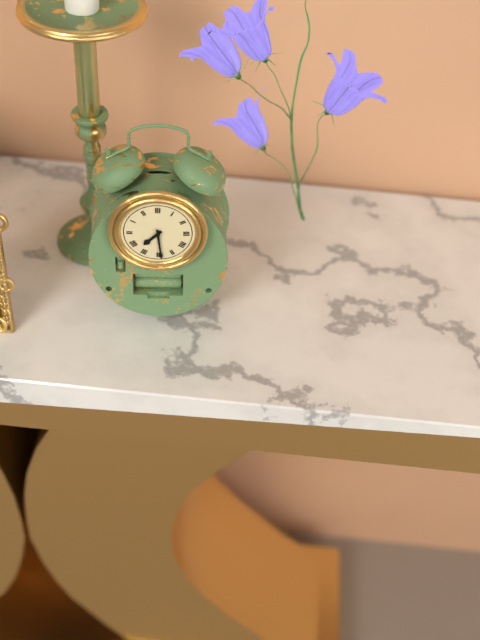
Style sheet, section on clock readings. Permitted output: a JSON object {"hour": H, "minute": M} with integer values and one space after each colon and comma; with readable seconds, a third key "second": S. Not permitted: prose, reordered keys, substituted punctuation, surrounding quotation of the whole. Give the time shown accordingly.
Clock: {"hour": 7, "minute": 29}
